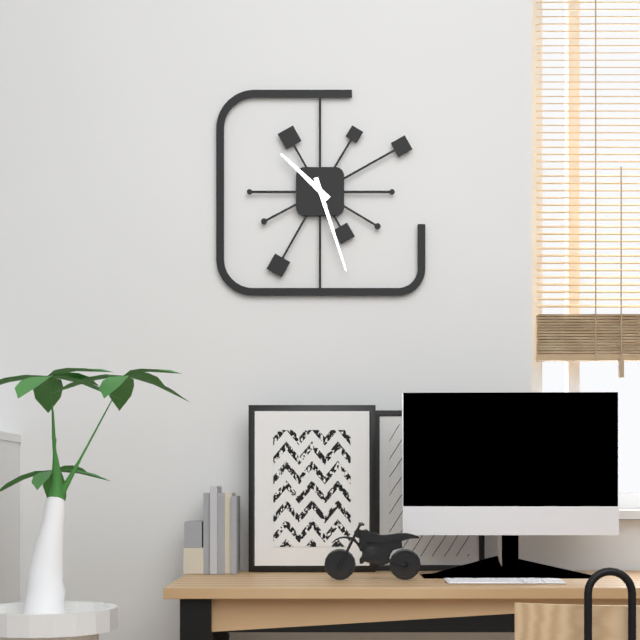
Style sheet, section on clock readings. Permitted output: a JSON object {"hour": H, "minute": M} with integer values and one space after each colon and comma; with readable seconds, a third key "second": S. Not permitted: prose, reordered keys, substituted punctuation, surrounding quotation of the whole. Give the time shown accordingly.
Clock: {"hour": 10, "minute": 27}
